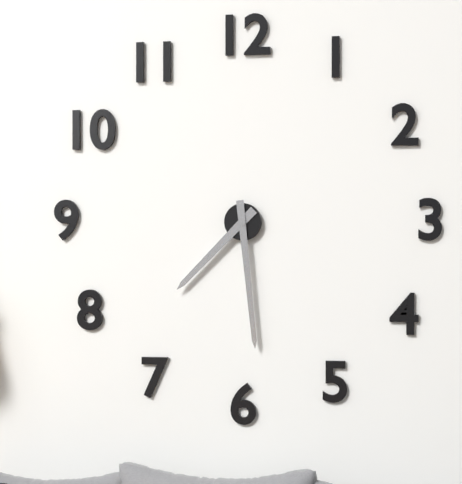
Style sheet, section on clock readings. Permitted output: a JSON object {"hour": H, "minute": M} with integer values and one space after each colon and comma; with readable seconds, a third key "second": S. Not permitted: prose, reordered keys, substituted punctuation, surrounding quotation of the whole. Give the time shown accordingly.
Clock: {"hour": 7, "minute": 29}
